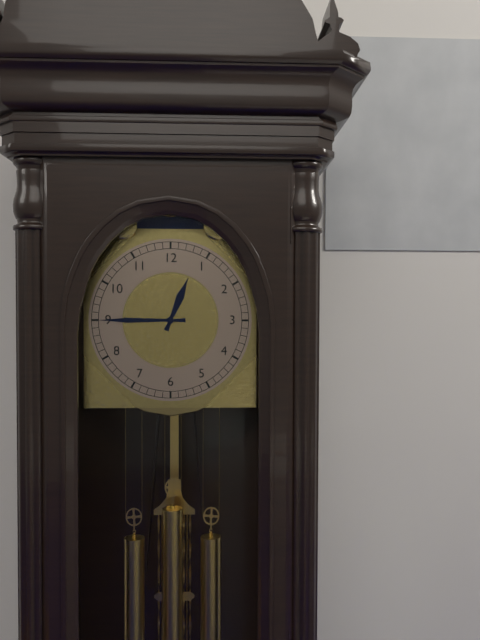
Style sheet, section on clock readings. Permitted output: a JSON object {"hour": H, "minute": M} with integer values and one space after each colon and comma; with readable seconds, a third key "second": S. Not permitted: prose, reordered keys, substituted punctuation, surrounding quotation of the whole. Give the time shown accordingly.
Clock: {"hour": 12, "minute": 45}
